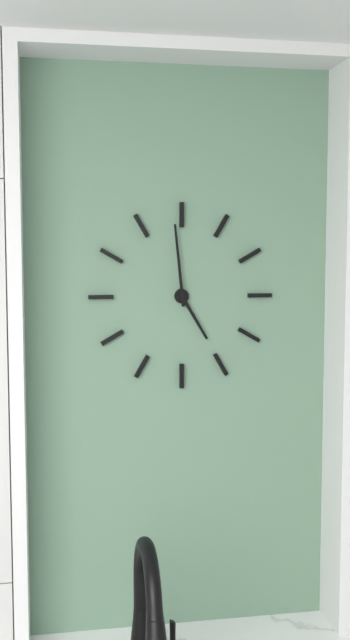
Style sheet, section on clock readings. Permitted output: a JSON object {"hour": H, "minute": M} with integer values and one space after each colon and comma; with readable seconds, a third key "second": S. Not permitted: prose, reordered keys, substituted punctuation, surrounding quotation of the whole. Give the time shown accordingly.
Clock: {"hour": 4, "minute": 59}
